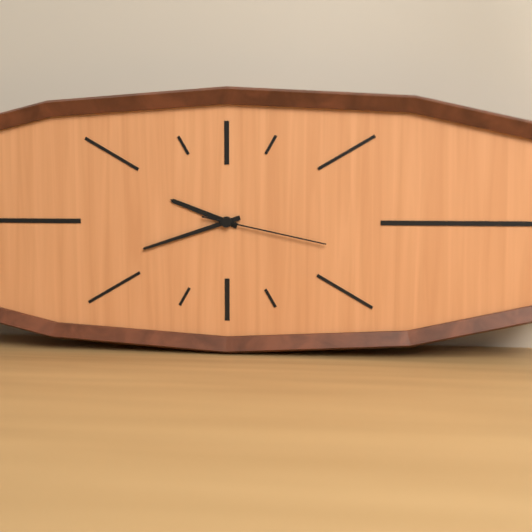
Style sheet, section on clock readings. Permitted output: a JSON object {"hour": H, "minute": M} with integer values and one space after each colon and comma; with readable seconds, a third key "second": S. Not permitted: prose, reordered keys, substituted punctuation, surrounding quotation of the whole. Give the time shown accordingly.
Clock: {"hour": 9, "minute": 42, "second": 17}
